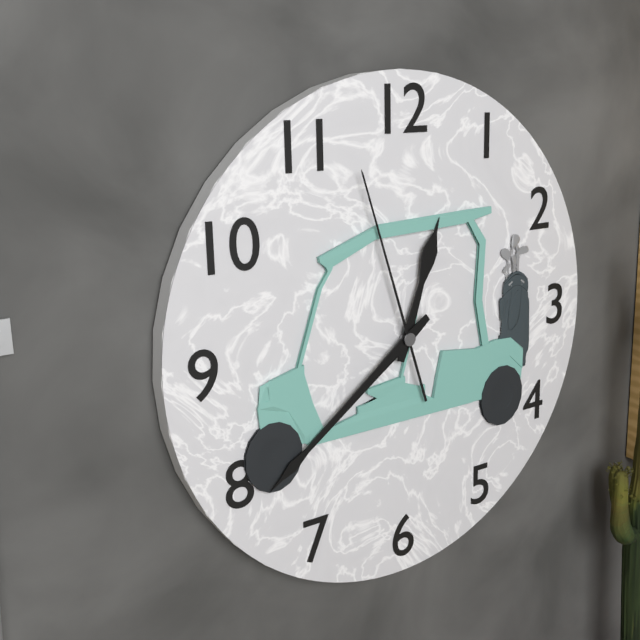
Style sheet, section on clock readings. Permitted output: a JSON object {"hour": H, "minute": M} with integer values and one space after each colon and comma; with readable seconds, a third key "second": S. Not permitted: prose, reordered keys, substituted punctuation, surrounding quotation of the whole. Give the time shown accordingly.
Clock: {"hour": 12, "minute": 39, "second": 57}
